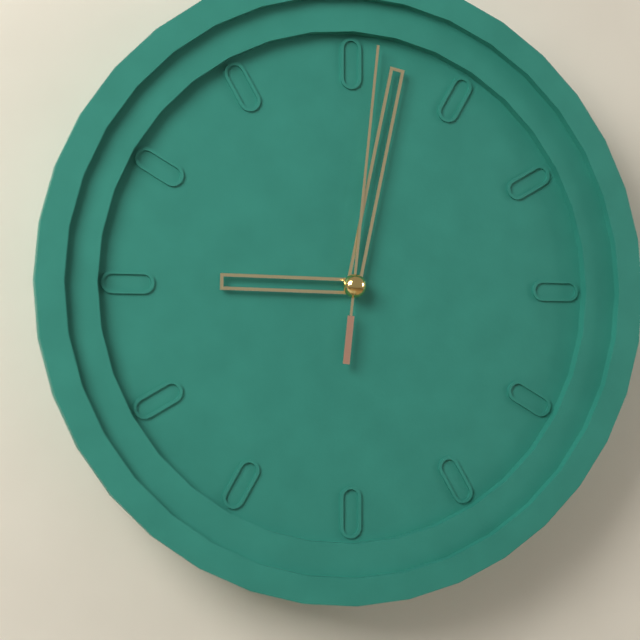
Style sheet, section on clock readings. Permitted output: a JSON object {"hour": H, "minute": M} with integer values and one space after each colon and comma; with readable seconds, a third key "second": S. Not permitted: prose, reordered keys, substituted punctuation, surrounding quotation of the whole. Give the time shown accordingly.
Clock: {"hour": 9, "minute": 2, "second": 1}
